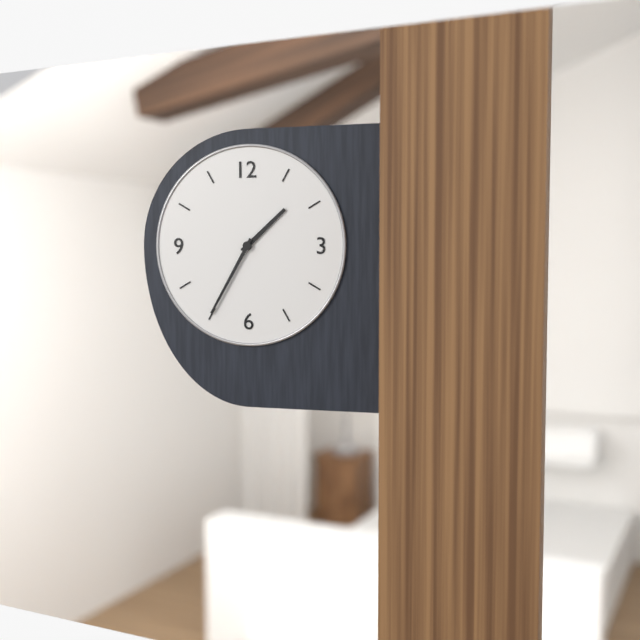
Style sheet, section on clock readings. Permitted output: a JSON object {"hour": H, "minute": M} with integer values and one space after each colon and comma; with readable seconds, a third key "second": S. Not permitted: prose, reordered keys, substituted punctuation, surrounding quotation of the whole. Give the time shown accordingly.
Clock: {"hour": 1, "minute": 35}
